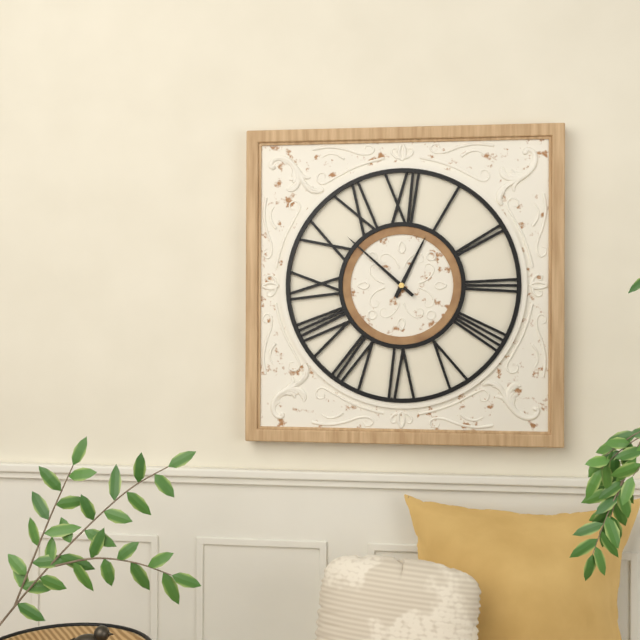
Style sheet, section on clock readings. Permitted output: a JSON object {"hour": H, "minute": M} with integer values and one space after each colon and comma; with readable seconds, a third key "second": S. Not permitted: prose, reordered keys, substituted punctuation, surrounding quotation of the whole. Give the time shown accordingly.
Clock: {"hour": 12, "minute": 52}
